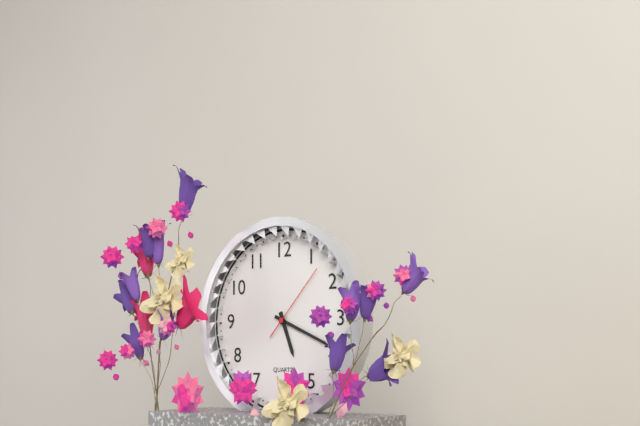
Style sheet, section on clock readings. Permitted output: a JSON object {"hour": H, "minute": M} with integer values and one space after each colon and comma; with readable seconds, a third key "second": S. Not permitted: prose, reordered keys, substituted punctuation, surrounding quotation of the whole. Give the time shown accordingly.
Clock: {"hour": 5, "minute": 19, "second": 7}
